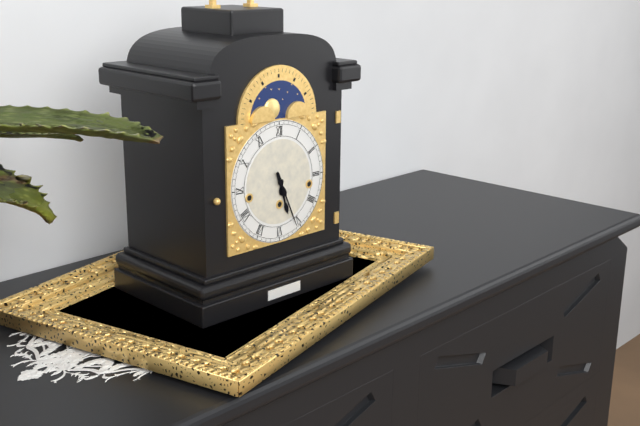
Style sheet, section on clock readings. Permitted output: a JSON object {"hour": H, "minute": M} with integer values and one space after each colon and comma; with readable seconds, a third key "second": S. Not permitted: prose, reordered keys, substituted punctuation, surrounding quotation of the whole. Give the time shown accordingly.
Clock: {"hour": 5, "minute": 26}
